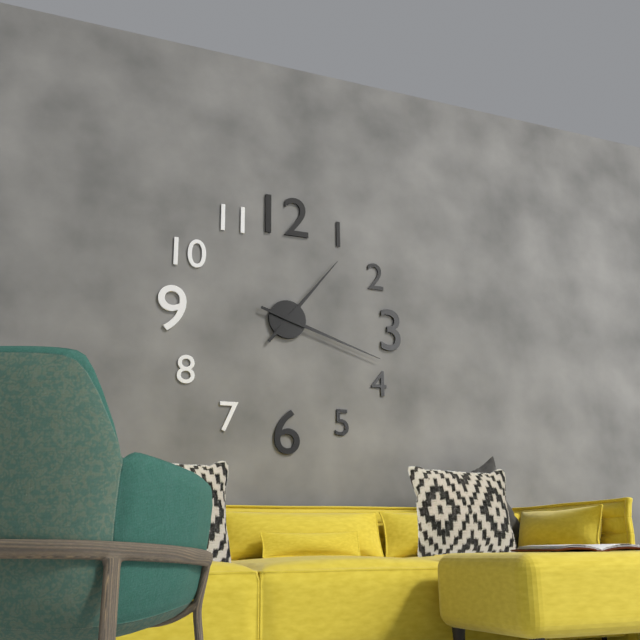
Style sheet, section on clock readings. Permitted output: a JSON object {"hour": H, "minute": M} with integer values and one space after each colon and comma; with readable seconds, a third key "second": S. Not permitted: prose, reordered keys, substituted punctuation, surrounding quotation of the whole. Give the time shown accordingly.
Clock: {"hour": 1, "minute": 18}
